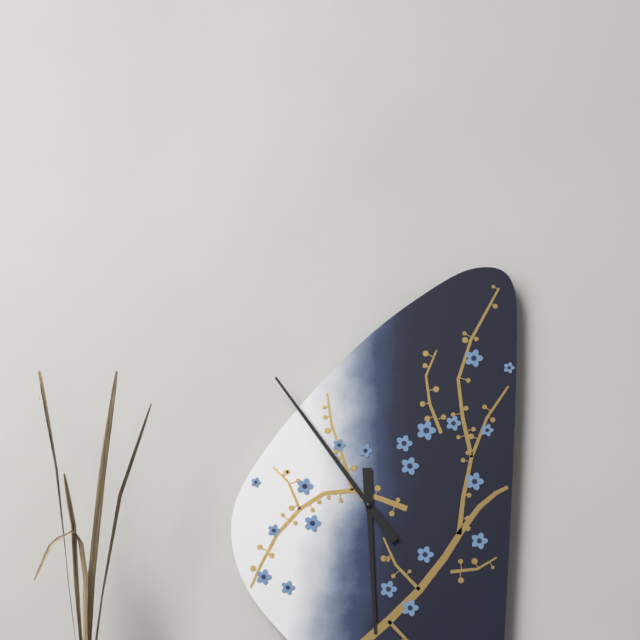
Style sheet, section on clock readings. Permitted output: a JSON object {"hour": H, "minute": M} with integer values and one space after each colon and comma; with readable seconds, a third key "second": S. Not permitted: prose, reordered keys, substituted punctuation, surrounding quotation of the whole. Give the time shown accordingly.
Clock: {"hour": 5, "minute": 54}
